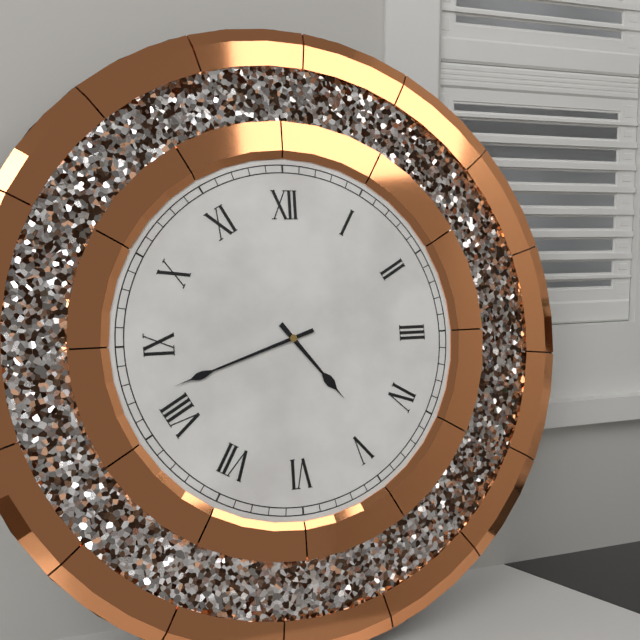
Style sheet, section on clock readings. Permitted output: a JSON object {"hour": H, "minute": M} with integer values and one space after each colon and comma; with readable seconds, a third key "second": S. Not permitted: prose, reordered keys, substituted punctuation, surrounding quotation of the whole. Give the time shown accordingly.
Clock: {"hour": 4, "minute": 42}
